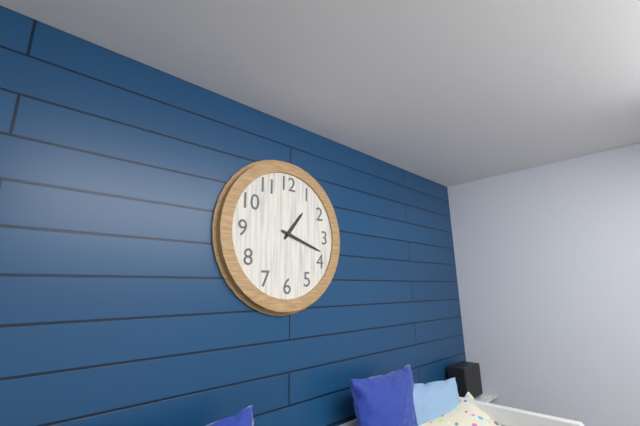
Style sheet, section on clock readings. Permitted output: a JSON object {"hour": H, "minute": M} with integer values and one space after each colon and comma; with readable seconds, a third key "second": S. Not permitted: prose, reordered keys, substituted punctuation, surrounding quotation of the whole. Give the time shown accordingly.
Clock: {"hour": 1, "minute": 18}
